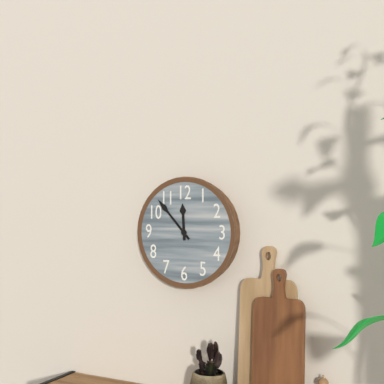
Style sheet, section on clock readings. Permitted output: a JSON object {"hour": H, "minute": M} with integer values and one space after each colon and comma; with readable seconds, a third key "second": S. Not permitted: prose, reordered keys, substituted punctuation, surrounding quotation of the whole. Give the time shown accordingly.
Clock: {"hour": 11, "minute": 53}
